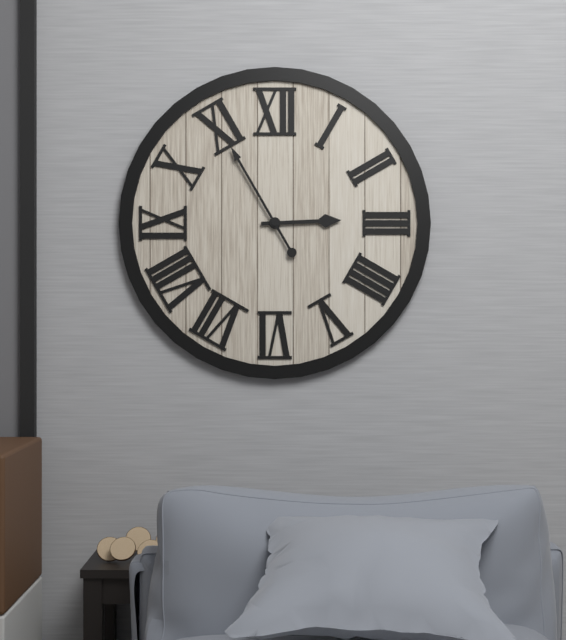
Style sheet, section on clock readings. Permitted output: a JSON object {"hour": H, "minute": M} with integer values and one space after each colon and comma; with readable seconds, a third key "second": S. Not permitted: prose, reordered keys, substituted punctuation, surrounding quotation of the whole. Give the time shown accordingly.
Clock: {"hour": 2, "minute": 55}
